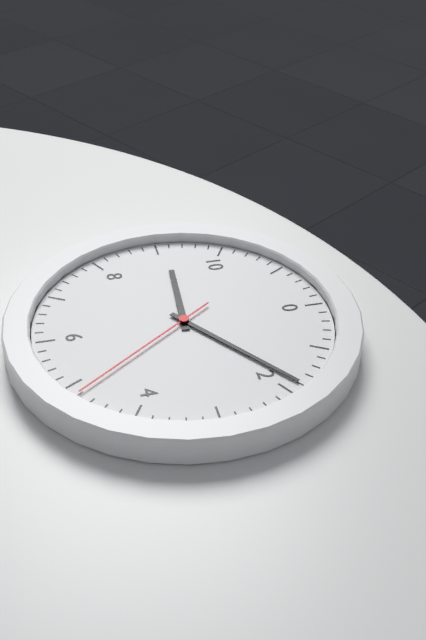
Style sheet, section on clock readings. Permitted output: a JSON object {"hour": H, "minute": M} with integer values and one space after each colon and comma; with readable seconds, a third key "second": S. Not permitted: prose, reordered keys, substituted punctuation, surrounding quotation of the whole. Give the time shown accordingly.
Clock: {"hour": 9, "minute": 9, "second": 24}
